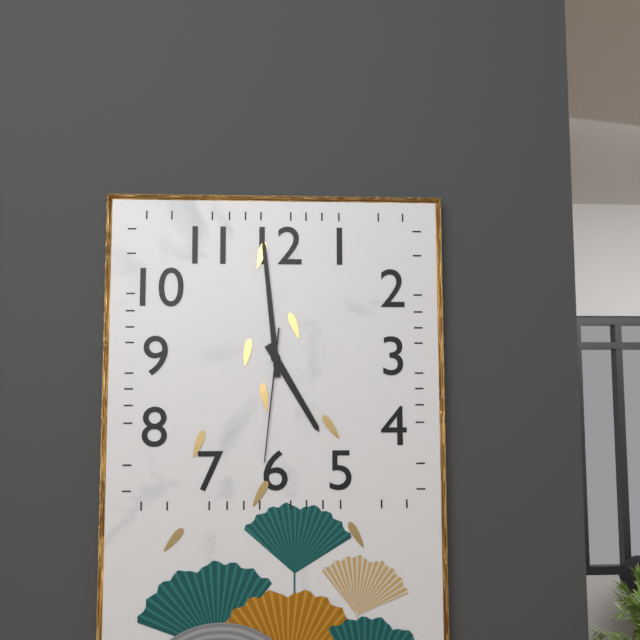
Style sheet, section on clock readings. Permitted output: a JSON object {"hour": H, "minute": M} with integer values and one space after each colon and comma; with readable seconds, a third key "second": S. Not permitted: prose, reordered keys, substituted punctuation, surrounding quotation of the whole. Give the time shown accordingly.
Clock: {"hour": 4, "minute": 59, "second": 31}
